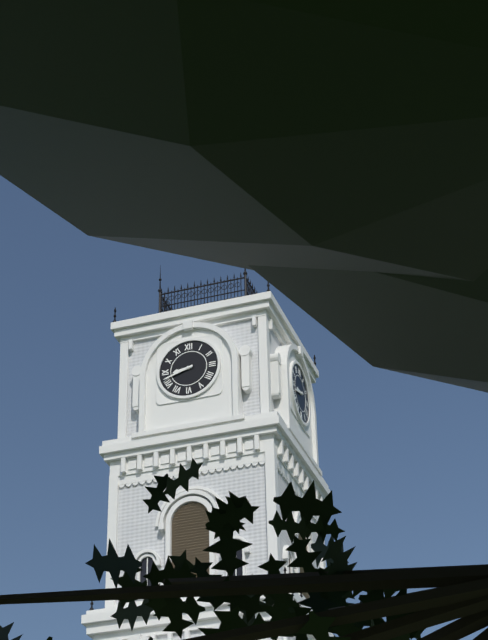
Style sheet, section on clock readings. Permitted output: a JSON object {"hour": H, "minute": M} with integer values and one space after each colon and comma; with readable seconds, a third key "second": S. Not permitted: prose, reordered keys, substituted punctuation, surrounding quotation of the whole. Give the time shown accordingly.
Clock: {"hour": 8, "minute": 42}
